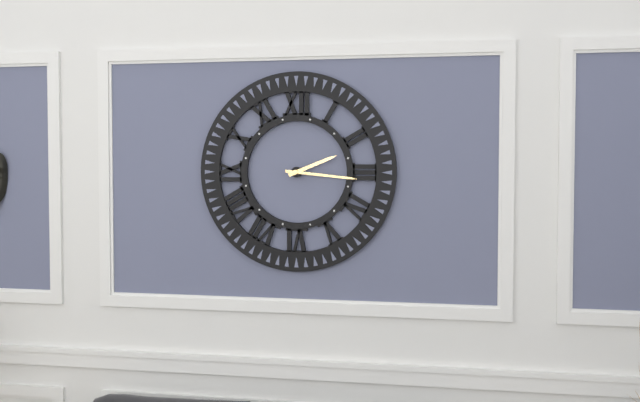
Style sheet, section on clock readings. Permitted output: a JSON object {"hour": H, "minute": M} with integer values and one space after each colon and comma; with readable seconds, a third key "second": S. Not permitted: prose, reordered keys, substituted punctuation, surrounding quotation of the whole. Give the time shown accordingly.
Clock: {"hour": 2, "minute": 16}
